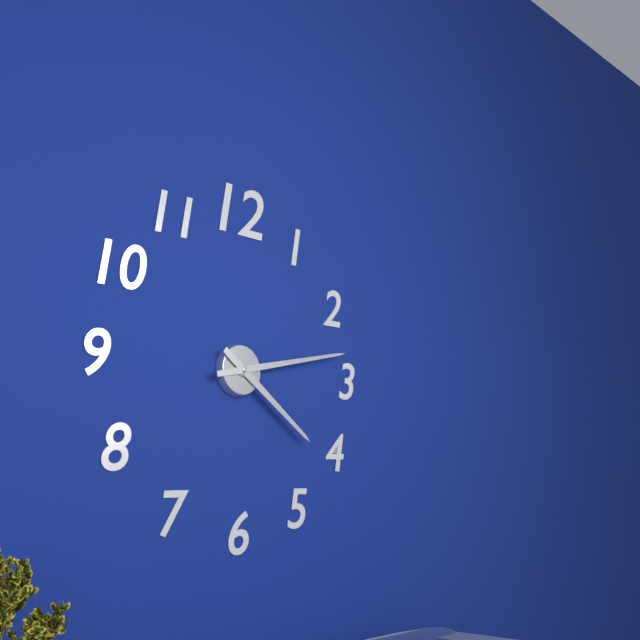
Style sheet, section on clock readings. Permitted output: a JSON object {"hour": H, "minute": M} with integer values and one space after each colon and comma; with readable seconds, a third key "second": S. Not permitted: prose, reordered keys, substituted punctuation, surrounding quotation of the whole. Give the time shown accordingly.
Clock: {"hour": 4, "minute": 13}
